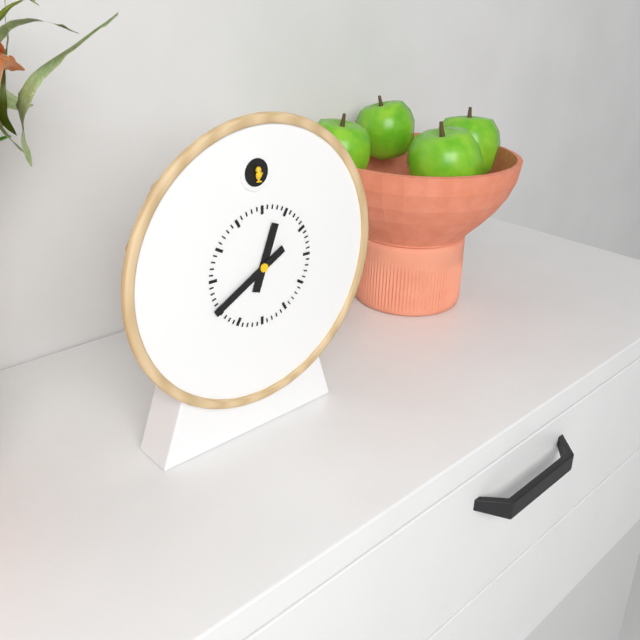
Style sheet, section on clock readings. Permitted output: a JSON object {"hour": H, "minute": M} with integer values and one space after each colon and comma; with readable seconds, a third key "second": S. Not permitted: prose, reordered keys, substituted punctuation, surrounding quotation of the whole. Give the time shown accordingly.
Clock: {"hour": 12, "minute": 40}
